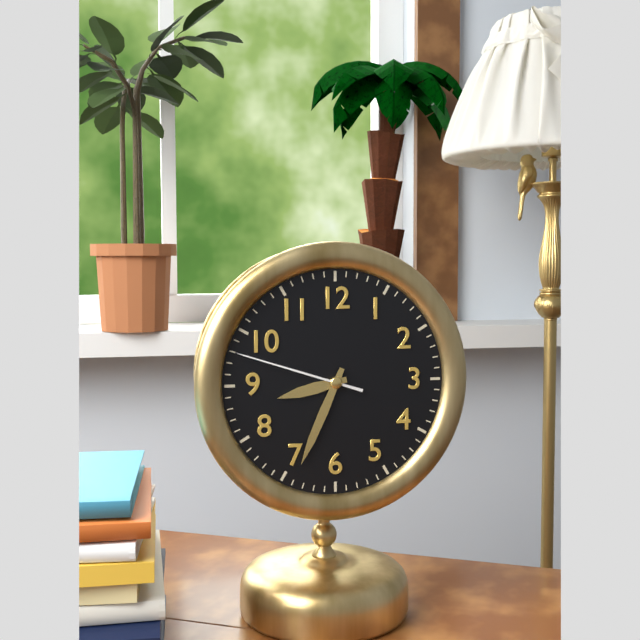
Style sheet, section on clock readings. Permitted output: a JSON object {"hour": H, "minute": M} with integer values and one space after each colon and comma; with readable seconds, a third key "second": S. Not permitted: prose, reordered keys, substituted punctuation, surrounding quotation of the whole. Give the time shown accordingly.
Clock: {"hour": 8, "minute": 34, "second": 48}
